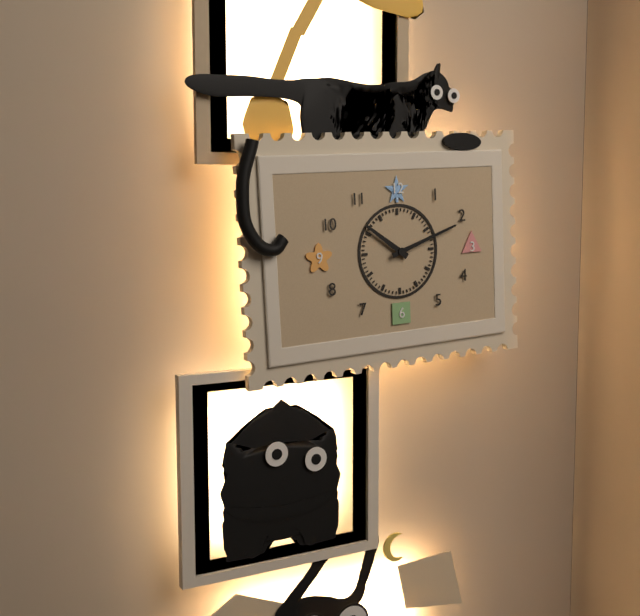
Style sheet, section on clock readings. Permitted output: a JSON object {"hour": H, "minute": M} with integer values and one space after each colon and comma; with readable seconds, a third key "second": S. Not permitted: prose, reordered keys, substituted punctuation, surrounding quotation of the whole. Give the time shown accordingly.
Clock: {"hour": 10, "minute": 12}
